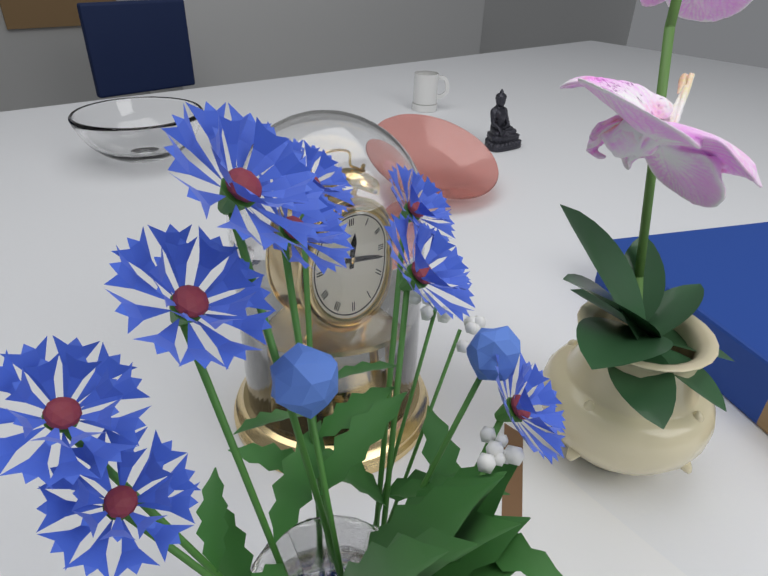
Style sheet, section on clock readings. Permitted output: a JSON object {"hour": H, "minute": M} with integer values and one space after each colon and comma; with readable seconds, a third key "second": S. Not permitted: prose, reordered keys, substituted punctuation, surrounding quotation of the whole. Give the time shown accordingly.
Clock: {"hour": 12, "minute": 17}
